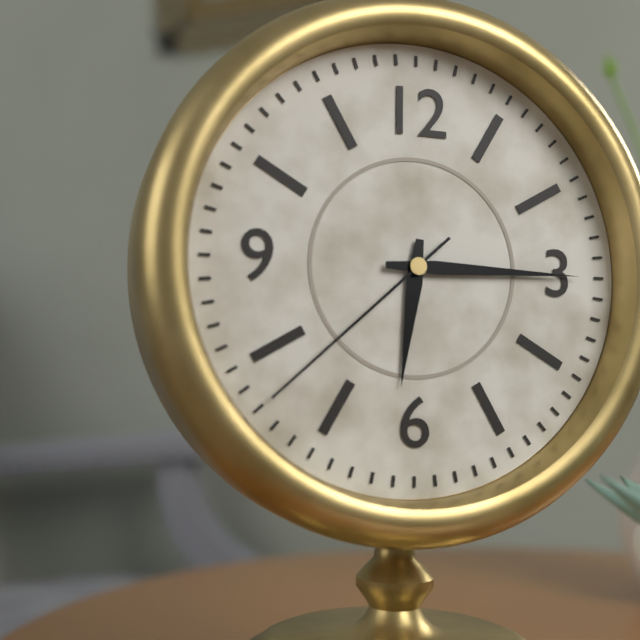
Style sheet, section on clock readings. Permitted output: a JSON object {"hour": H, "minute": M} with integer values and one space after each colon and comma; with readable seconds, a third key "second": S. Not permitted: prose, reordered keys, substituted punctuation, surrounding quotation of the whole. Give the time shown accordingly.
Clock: {"hour": 6, "minute": 15, "second": 38}
